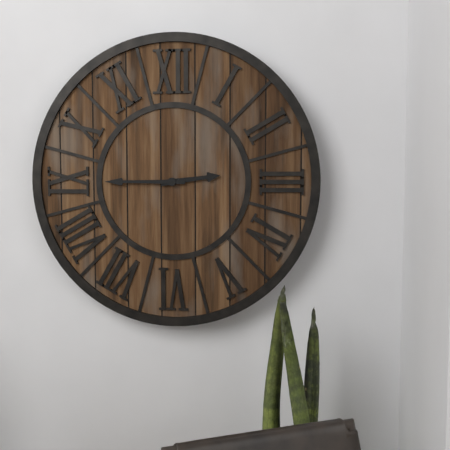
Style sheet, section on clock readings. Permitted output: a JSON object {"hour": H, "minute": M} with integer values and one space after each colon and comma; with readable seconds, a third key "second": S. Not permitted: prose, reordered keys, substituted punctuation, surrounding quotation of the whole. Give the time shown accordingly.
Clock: {"hour": 2, "minute": 45}
